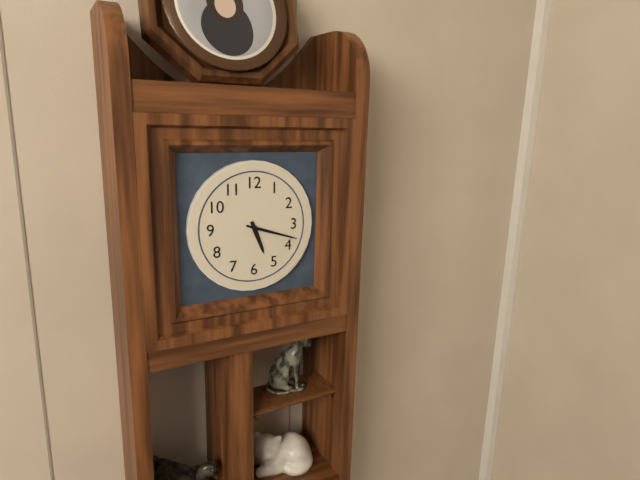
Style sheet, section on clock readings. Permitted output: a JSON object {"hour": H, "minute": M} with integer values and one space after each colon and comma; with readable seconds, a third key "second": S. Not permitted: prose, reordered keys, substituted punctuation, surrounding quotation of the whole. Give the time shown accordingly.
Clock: {"hour": 5, "minute": 18}
